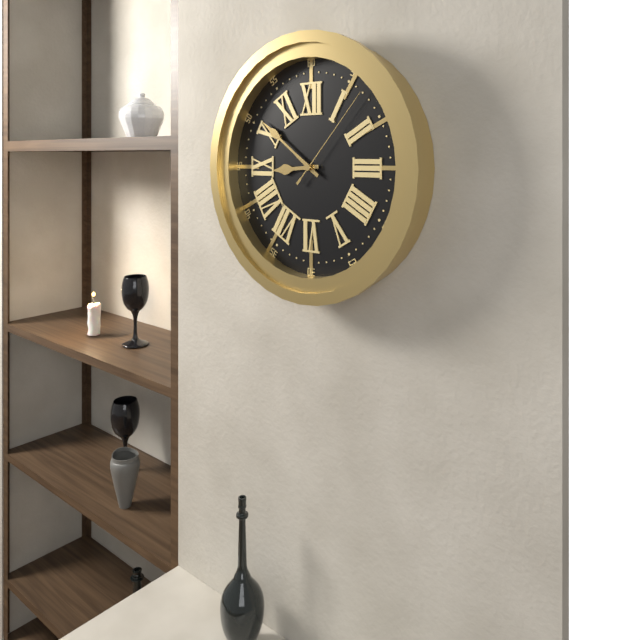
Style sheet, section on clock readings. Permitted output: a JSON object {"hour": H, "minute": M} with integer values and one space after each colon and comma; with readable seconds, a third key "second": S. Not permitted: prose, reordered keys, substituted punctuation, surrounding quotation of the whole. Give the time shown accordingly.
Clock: {"hour": 8, "minute": 51, "second": 7}
